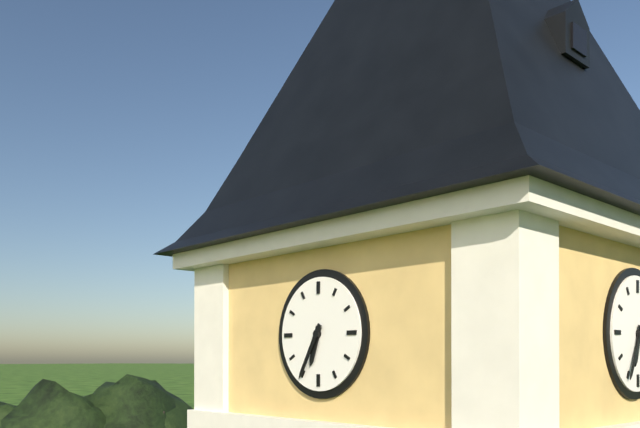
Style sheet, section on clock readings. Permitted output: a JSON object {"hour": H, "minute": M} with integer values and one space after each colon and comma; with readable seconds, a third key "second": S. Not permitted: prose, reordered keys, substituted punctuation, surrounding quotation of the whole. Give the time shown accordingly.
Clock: {"hour": 6, "minute": 35}
